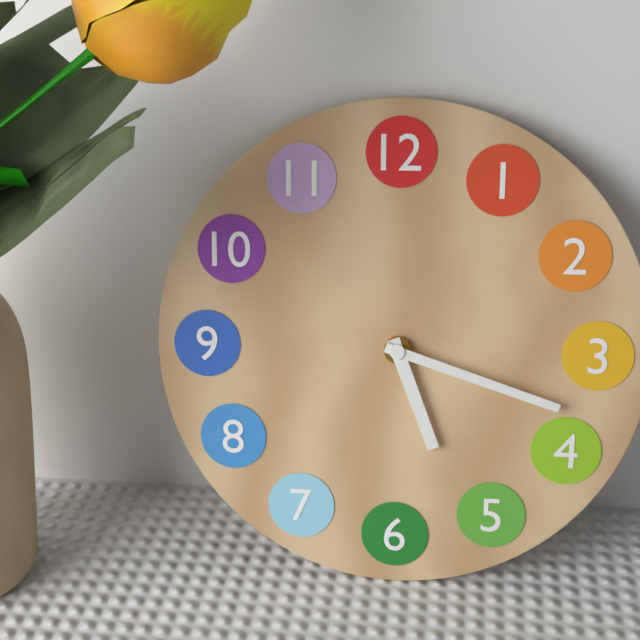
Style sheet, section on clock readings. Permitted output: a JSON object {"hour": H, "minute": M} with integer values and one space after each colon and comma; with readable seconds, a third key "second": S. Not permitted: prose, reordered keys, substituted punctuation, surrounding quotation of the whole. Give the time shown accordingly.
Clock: {"hour": 5, "minute": 18}
